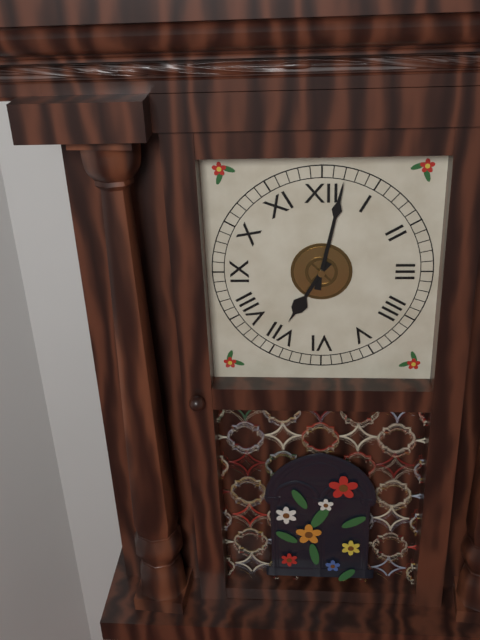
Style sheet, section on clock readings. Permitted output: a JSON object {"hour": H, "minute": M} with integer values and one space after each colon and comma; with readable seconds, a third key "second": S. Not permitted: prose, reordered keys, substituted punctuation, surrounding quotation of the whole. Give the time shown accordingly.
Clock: {"hour": 7, "minute": 2}
